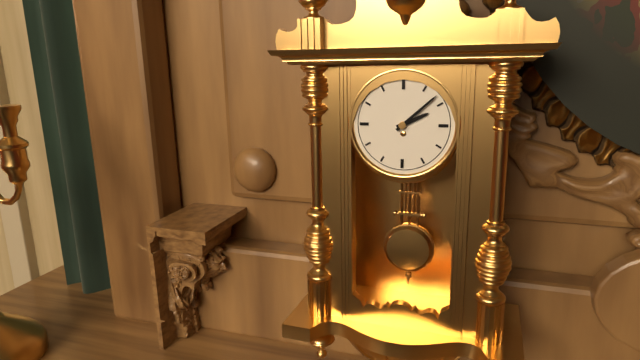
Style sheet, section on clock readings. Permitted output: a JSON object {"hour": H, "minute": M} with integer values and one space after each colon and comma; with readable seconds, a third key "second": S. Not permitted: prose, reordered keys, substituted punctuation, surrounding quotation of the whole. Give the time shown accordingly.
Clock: {"hour": 2, "minute": 8}
